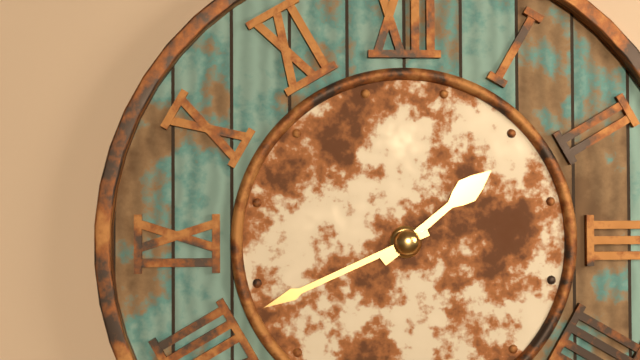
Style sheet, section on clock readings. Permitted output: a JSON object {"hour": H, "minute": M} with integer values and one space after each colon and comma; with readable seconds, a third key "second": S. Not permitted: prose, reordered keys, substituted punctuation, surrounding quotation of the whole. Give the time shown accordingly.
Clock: {"hour": 1, "minute": 41}
